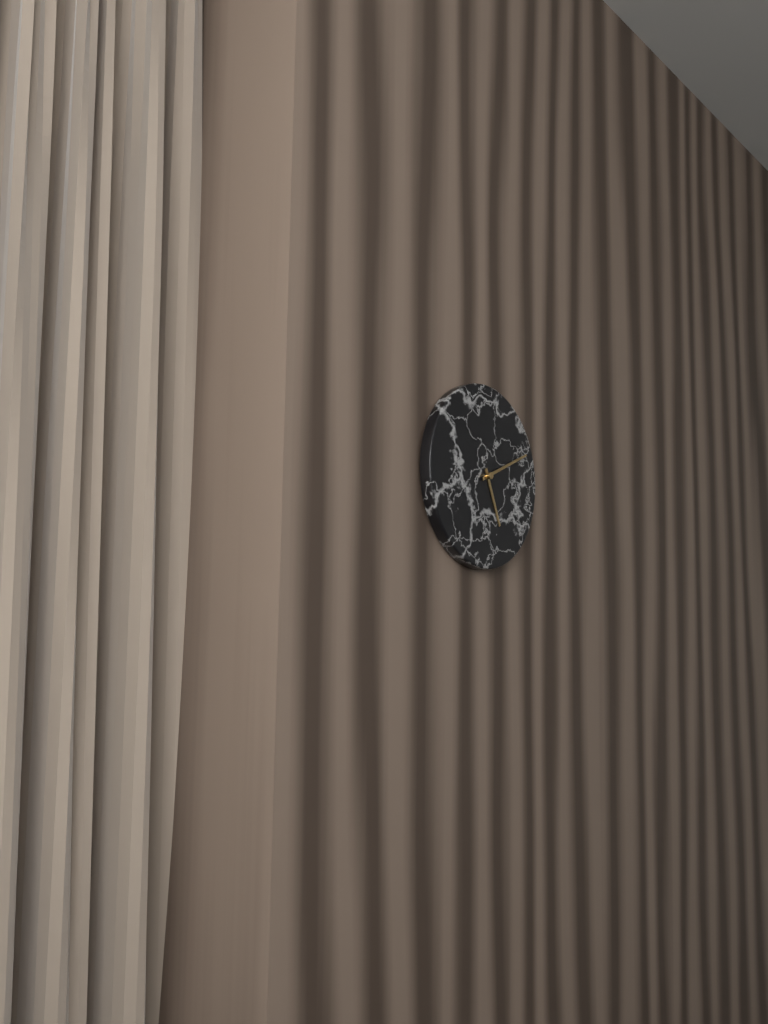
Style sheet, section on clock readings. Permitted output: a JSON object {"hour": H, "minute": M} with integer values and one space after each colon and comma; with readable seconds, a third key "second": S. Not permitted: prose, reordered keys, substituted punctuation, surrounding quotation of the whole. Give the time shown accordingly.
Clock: {"hour": 5, "minute": 11}
